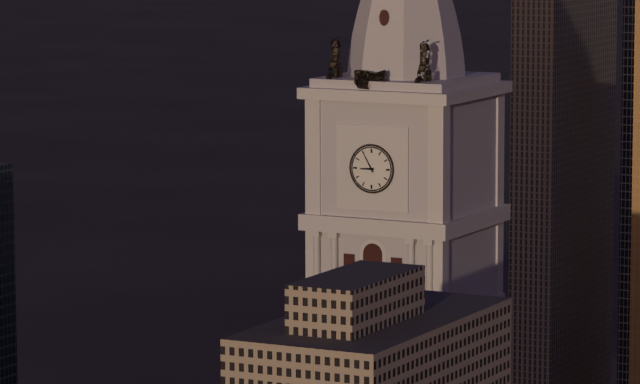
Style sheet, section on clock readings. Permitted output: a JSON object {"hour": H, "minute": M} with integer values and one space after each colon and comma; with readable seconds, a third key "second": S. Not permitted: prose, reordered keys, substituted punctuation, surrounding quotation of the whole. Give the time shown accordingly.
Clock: {"hour": 8, "minute": 55}
